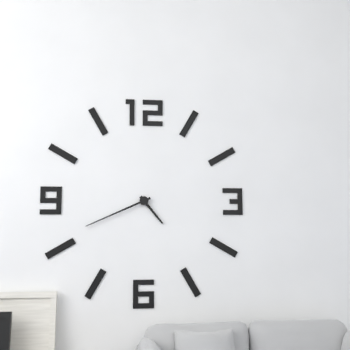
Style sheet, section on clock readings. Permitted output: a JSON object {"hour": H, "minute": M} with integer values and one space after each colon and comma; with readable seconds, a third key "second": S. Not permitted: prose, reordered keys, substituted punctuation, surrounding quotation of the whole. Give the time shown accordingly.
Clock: {"hour": 4, "minute": 41}
